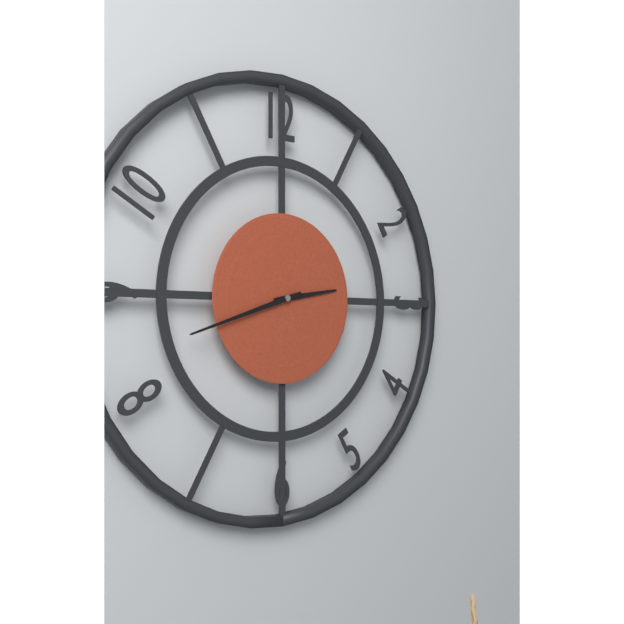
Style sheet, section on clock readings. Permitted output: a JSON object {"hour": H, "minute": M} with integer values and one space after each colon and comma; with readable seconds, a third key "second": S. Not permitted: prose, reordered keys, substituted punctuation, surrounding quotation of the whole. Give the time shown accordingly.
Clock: {"hour": 2, "minute": 42}
